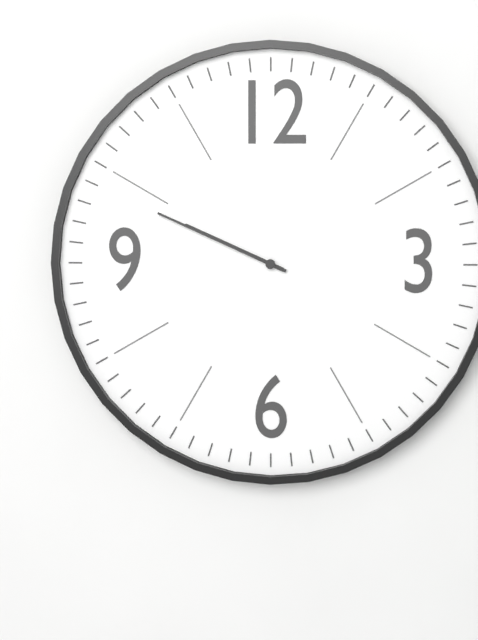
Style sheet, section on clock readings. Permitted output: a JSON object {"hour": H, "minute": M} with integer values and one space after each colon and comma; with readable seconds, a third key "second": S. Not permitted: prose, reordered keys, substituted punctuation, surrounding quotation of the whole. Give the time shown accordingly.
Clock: {"hour": 9, "minute": 49}
